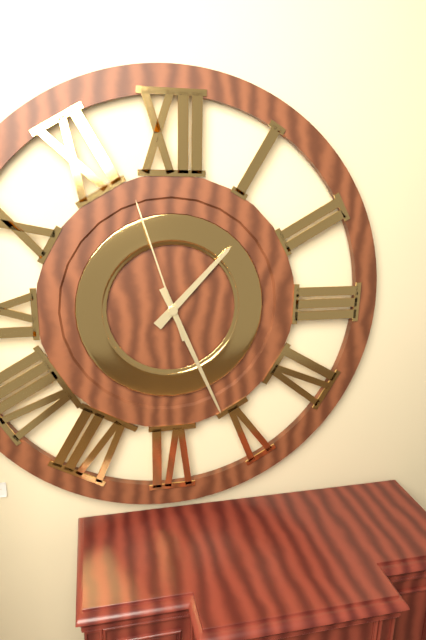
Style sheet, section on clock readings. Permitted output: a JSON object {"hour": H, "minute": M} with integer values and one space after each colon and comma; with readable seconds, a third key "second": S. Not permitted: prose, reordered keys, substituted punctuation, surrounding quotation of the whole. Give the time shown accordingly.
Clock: {"hour": 1, "minute": 26, "second": 57}
